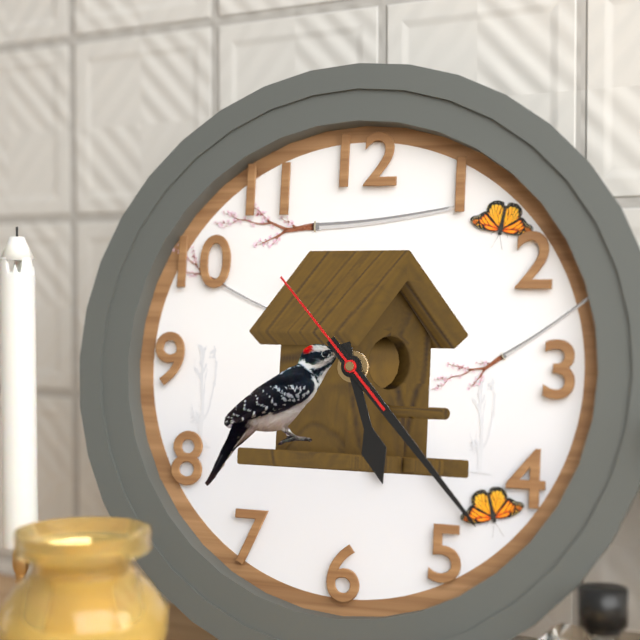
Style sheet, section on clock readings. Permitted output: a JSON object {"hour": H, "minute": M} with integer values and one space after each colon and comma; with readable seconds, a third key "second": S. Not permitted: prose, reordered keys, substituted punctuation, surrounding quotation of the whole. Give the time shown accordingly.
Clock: {"hour": 5, "minute": 23, "second": 53}
